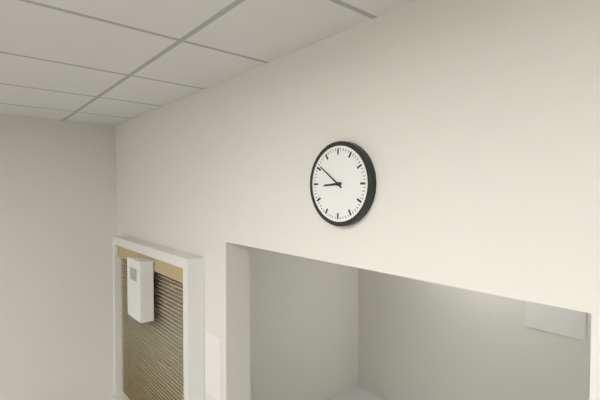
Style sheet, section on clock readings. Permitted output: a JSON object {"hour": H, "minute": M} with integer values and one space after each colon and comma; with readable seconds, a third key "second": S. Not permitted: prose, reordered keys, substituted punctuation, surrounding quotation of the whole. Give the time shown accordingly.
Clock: {"hour": 8, "minute": 51}
